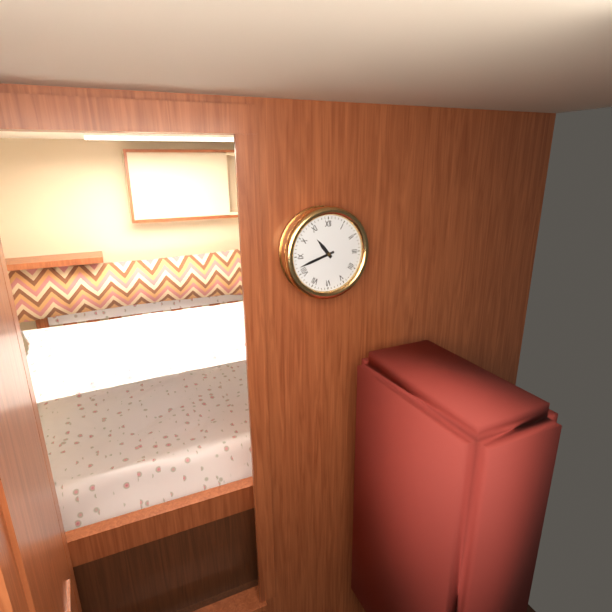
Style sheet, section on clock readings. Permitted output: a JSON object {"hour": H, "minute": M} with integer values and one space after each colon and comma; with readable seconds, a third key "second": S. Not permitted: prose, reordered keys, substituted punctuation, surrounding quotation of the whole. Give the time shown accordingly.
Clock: {"hour": 10, "minute": 42}
